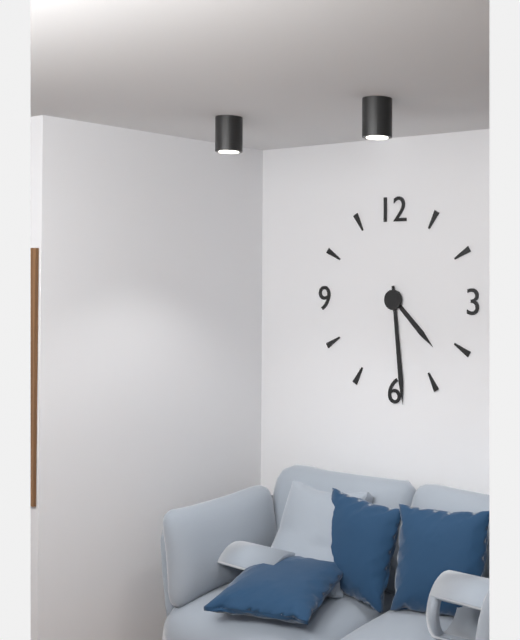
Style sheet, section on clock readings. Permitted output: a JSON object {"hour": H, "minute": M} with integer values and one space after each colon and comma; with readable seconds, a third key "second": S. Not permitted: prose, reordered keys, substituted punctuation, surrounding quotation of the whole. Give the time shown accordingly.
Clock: {"hour": 4, "minute": 29}
